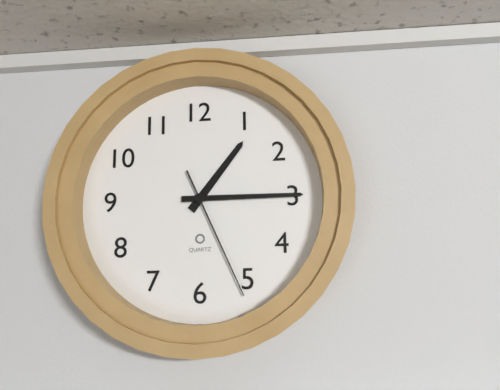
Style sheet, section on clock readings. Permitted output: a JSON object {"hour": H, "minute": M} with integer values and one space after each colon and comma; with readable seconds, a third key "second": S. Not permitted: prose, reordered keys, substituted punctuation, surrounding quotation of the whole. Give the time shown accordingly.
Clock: {"hour": 1, "minute": 15, "second": 26}
